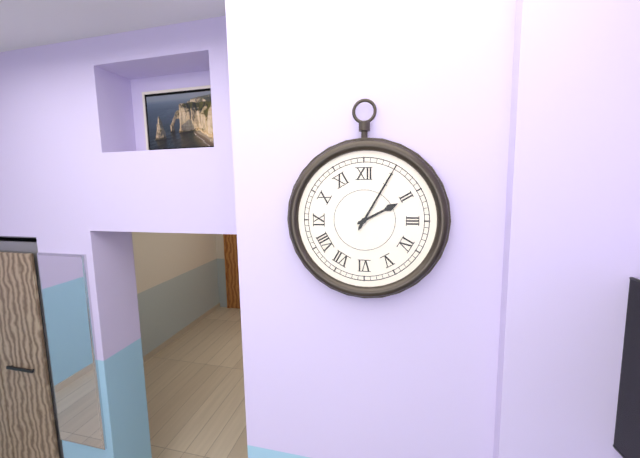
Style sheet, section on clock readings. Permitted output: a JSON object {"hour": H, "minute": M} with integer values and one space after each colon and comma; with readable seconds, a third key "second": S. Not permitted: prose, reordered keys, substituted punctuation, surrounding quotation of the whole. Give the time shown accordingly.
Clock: {"hour": 2, "minute": 5}
